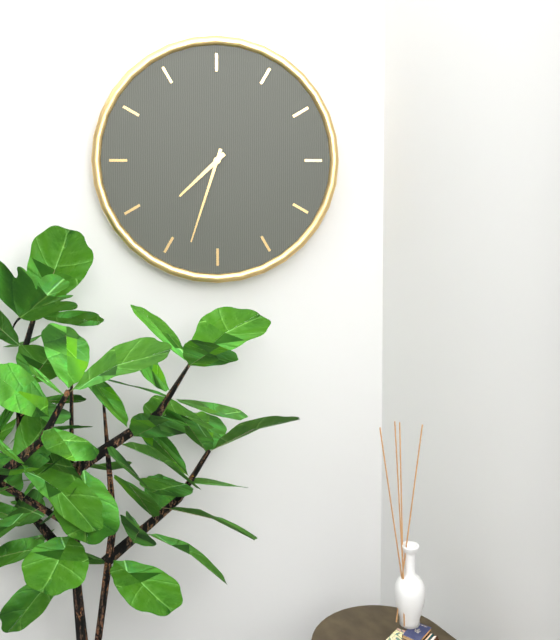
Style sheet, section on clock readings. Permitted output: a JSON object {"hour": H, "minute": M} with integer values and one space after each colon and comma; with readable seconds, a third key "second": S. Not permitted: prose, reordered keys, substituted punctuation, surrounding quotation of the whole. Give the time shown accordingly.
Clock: {"hour": 7, "minute": 33}
